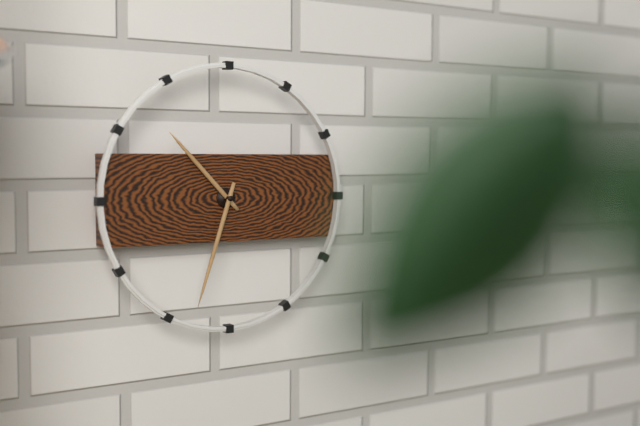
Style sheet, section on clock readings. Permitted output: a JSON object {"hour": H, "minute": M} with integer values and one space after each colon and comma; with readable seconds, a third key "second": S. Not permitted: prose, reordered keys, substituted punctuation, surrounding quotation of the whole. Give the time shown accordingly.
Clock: {"hour": 10, "minute": 33}
